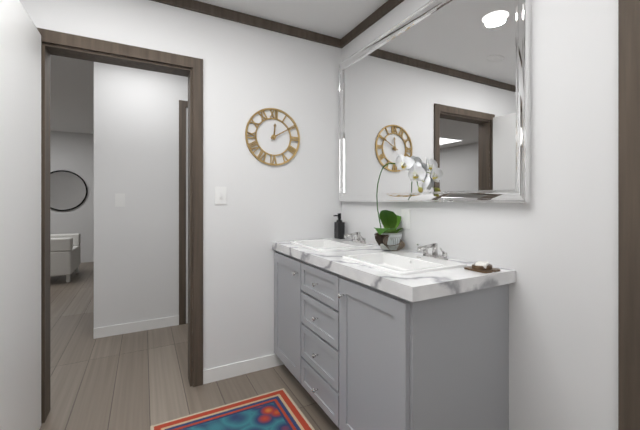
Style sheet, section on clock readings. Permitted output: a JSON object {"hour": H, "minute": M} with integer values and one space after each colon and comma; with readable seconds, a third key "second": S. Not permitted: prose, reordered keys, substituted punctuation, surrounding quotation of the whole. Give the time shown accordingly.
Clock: {"hour": 12, "minute": 10}
